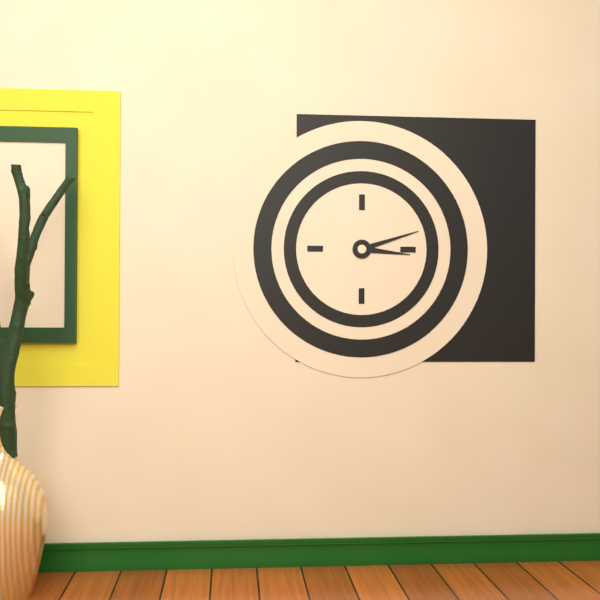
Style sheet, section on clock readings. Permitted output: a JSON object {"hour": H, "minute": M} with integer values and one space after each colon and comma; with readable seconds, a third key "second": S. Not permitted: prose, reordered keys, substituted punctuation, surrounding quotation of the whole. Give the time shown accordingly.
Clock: {"hour": 3, "minute": 12}
